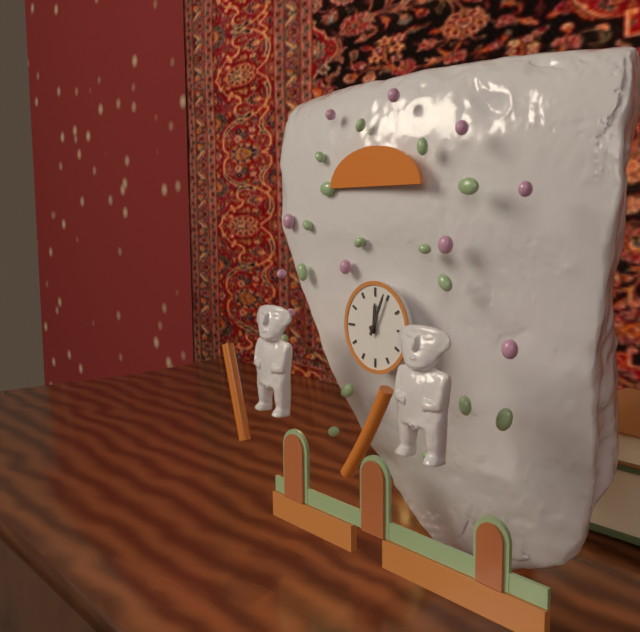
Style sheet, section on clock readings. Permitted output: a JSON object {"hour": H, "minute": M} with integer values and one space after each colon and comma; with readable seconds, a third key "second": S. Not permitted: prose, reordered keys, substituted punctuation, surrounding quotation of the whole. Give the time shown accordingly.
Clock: {"hour": 12, "minute": 4}
